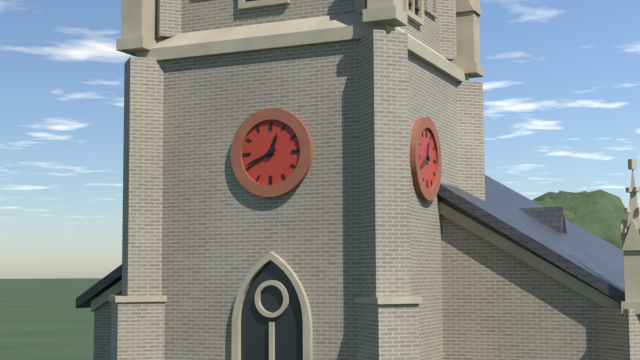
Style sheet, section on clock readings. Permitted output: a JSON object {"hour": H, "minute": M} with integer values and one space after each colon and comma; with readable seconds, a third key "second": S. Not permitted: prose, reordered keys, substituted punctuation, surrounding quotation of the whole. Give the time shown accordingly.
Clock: {"hour": 12, "minute": 41}
